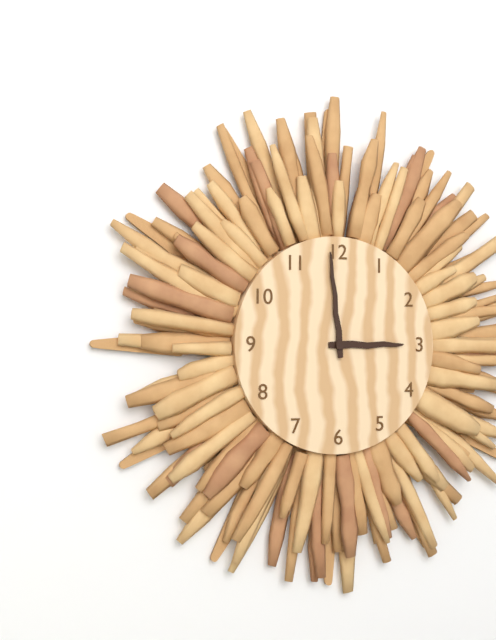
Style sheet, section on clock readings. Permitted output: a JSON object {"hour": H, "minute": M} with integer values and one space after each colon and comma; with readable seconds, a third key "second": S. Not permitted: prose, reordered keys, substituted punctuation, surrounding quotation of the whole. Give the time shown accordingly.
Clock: {"hour": 2, "minute": 59}
